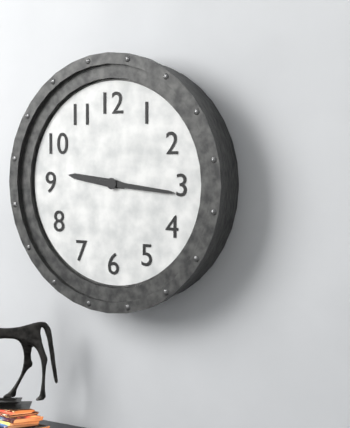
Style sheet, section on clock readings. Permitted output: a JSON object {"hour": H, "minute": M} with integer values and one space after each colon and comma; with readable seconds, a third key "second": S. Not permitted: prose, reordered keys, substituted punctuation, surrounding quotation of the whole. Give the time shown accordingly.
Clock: {"hour": 9, "minute": 16}
